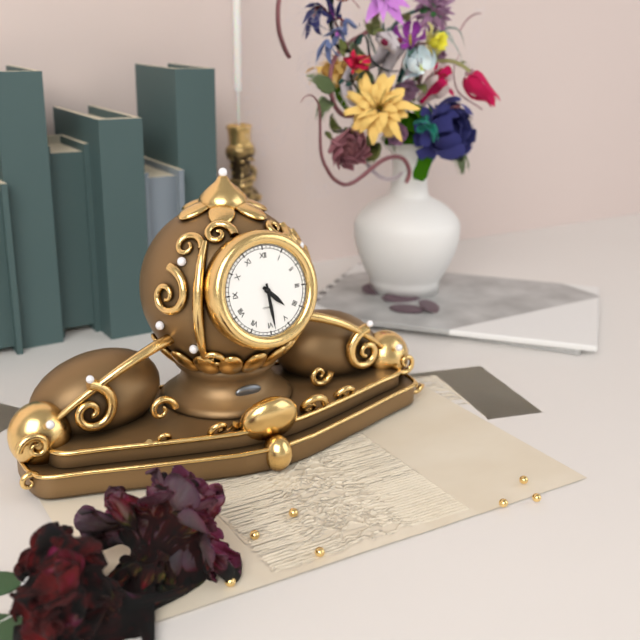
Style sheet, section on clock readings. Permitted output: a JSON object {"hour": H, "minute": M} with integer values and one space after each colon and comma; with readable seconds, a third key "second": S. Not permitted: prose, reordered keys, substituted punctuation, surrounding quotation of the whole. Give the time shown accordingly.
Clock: {"hour": 4, "minute": 29}
